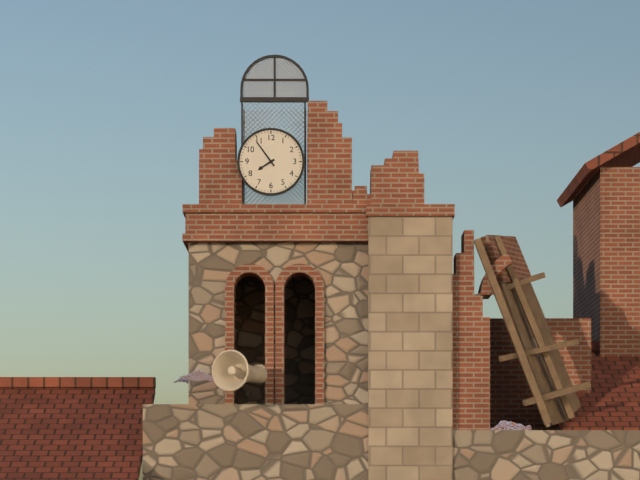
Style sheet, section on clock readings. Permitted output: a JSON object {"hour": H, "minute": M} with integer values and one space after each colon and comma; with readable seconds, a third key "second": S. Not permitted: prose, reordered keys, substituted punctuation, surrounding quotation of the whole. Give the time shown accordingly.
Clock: {"hour": 7, "minute": 54}
